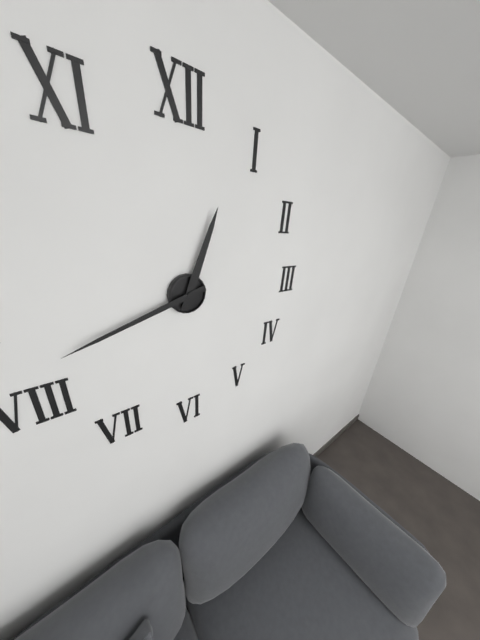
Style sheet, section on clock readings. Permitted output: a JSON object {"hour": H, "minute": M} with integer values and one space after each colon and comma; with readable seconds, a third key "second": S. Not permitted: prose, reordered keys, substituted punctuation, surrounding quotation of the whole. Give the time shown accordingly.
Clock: {"hour": 12, "minute": 42}
